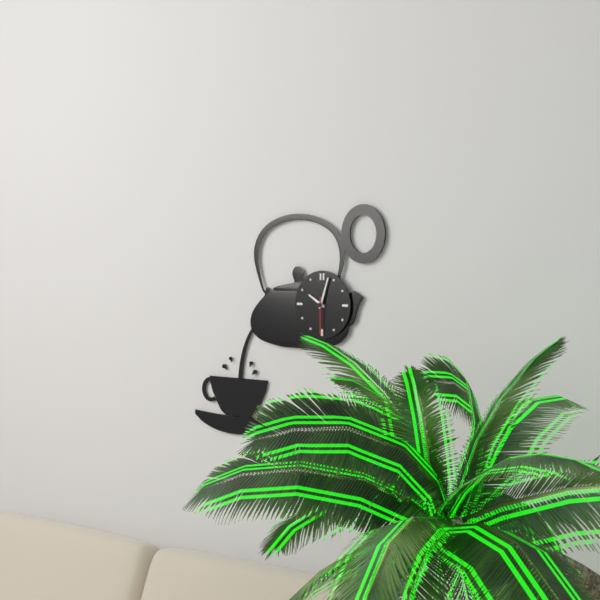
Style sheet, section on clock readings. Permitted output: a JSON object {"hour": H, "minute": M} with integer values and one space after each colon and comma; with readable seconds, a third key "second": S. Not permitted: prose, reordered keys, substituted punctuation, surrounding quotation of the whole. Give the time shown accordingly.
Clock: {"hour": 10, "minute": 3}
